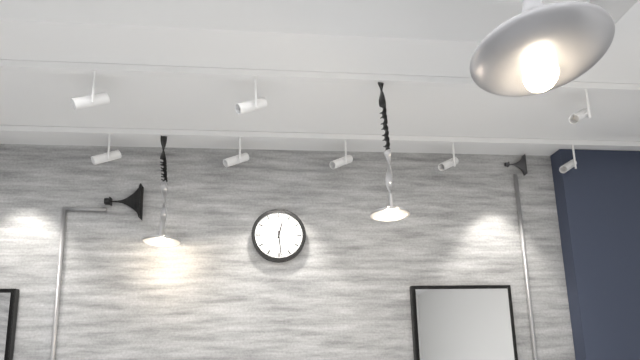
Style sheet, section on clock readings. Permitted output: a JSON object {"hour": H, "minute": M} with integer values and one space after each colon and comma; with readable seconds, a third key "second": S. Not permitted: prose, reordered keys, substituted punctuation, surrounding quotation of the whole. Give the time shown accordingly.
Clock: {"hour": 12, "minute": 29}
